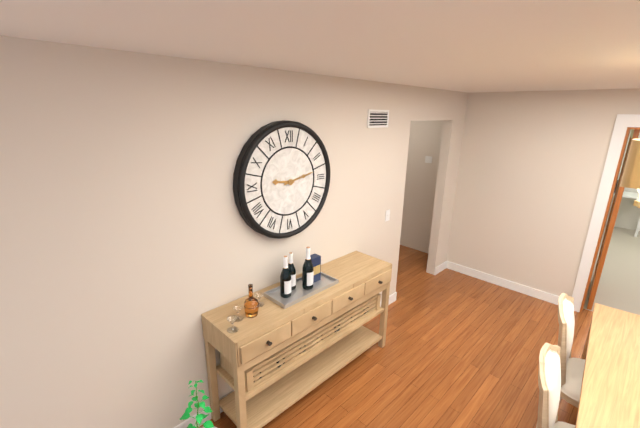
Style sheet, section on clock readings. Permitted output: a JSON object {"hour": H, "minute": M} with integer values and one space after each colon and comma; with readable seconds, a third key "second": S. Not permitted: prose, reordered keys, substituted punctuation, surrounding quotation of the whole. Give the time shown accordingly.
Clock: {"hour": 9, "minute": 13}
